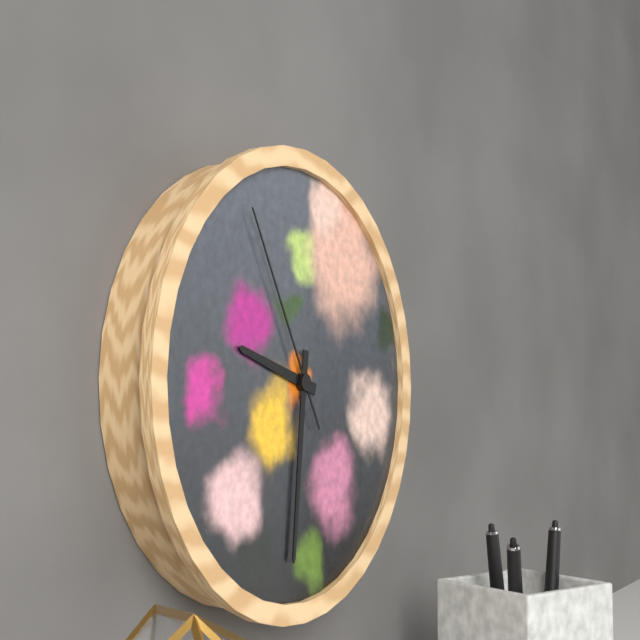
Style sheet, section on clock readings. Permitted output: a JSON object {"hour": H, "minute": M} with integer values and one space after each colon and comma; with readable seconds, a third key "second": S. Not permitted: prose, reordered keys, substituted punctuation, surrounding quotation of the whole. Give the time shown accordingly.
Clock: {"hour": 9, "minute": 31, "second": 55}
